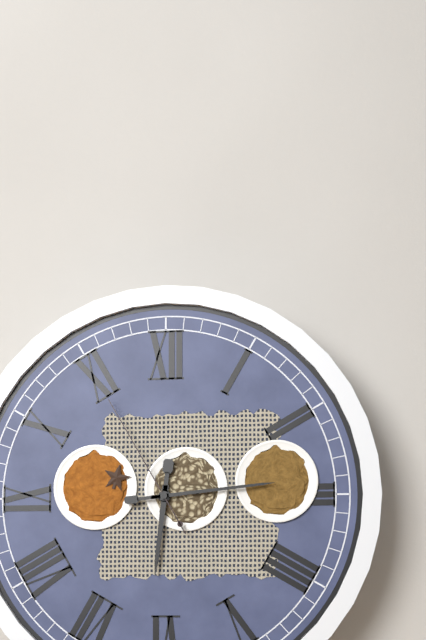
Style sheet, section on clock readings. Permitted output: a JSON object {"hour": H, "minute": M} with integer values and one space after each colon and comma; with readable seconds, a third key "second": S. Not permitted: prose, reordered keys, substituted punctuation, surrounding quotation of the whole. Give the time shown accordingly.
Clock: {"hour": 6, "minute": 14, "second": 55}
